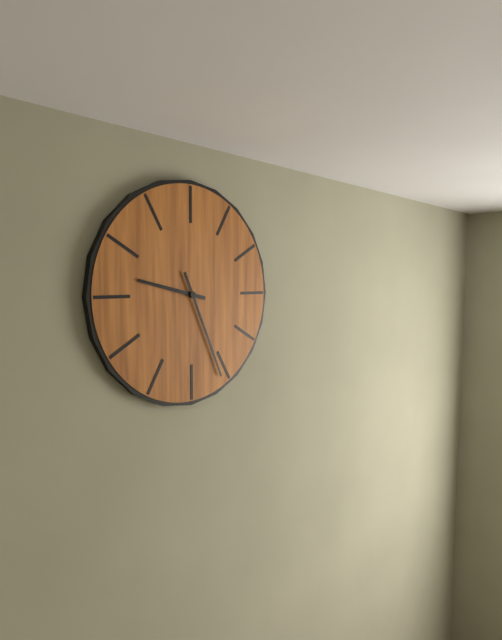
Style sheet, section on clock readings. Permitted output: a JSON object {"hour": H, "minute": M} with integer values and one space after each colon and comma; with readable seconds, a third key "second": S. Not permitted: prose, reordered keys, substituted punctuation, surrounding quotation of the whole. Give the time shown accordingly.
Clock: {"hour": 9, "minute": 26}
